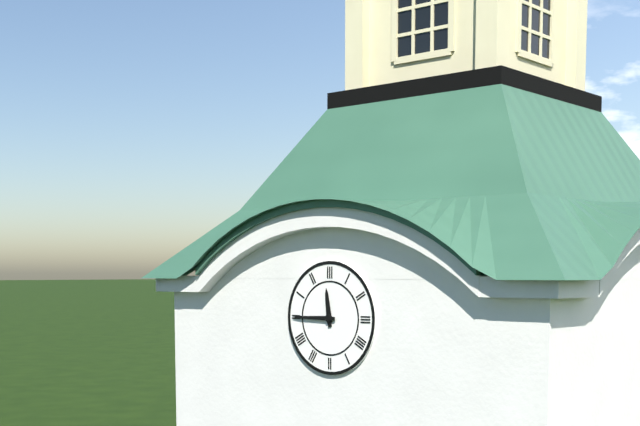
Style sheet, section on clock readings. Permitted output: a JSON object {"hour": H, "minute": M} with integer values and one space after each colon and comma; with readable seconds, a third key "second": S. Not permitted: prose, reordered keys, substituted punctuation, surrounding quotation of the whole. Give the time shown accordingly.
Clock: {"hour": 11, "minute": 45}
